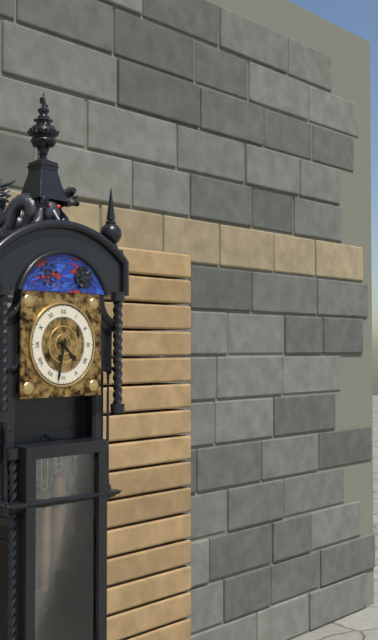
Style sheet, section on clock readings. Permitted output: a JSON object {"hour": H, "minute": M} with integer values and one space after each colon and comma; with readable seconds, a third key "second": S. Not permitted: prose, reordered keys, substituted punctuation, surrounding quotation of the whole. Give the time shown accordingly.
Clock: {"hour": 4, "minute": 32}
